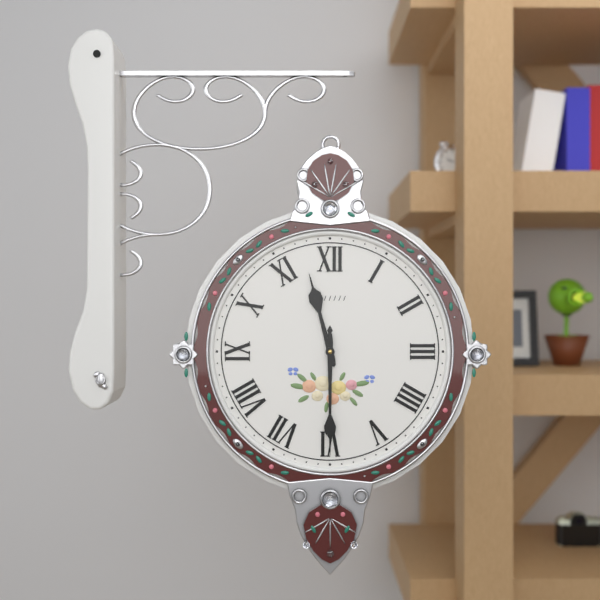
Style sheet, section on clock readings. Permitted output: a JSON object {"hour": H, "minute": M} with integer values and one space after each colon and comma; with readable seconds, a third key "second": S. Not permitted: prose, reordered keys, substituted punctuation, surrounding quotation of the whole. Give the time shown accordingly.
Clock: {"hour": 11, "minute": 30}
